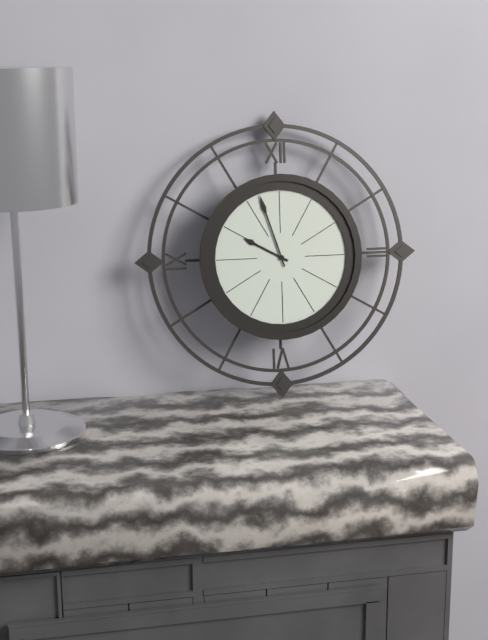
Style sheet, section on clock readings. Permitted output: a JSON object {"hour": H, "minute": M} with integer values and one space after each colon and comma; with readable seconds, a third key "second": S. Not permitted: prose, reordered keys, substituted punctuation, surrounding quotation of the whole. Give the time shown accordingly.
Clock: {"hour": 9, "minute": 57}
